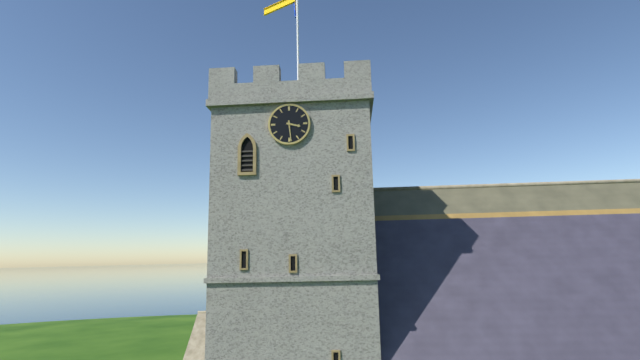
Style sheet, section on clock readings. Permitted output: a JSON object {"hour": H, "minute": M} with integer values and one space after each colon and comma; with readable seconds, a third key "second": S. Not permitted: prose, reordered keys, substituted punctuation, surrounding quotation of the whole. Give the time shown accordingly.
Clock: {"hour": 3, "minute": 29}
